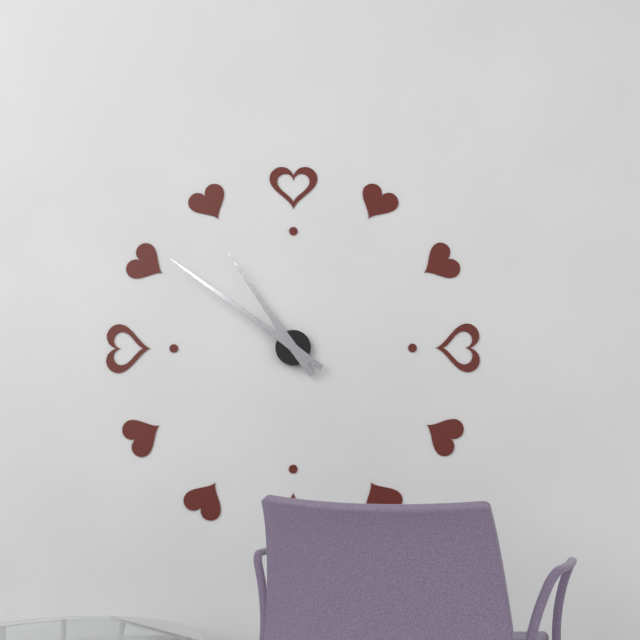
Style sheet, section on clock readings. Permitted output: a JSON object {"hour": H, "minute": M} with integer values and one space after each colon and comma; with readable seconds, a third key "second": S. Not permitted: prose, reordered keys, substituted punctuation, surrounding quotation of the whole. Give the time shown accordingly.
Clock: {"hour": 10, "minute": 51}
